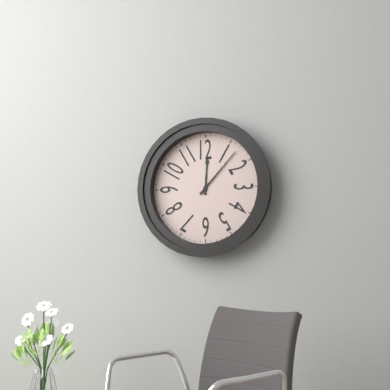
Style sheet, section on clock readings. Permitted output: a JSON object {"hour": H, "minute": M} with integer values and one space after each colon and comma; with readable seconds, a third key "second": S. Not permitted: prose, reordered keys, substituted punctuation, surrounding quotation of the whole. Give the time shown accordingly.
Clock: {"hour": 12, "minute": 7}
